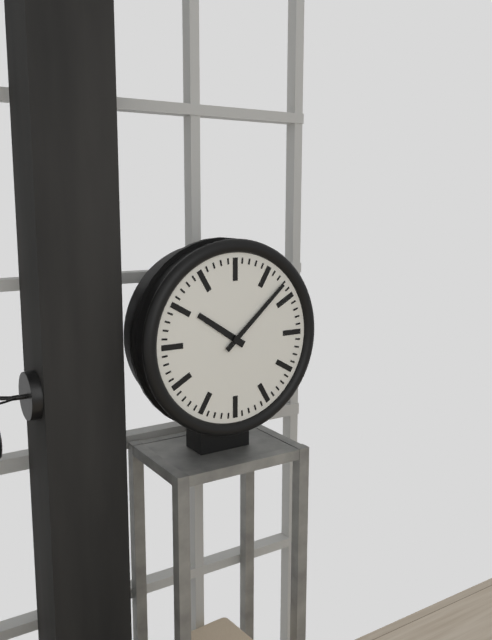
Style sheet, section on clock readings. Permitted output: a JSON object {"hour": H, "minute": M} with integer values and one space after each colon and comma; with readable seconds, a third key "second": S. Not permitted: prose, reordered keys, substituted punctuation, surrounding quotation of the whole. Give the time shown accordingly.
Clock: {"hour": 10, "minute": 8}
